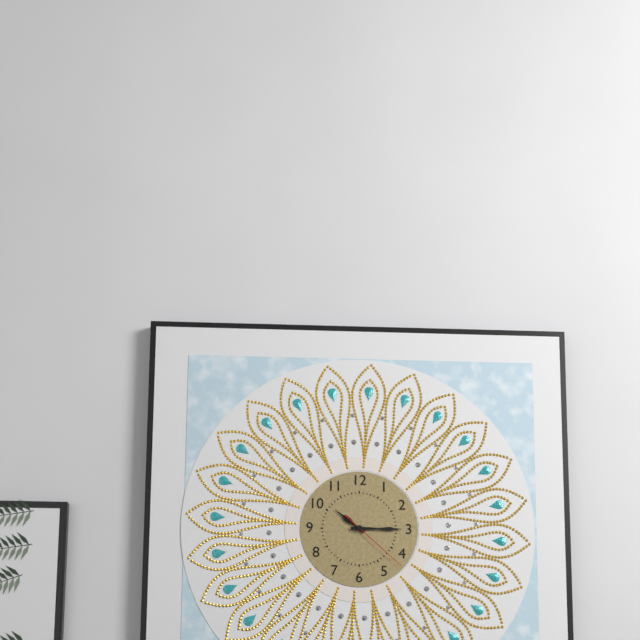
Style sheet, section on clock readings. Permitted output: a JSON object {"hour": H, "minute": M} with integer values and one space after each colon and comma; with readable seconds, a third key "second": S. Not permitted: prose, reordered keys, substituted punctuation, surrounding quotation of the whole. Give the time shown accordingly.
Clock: {"hour": 10, "minute": 15, "second": 22}
